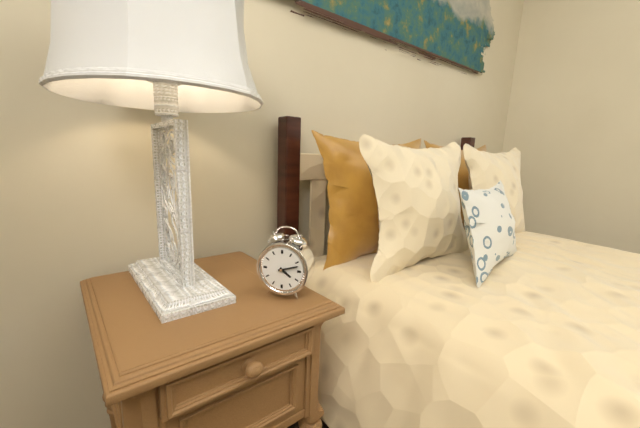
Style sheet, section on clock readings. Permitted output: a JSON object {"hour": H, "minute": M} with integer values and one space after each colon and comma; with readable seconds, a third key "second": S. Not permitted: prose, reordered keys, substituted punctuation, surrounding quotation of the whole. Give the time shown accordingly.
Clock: {"hour": 4, "minute": 12}
